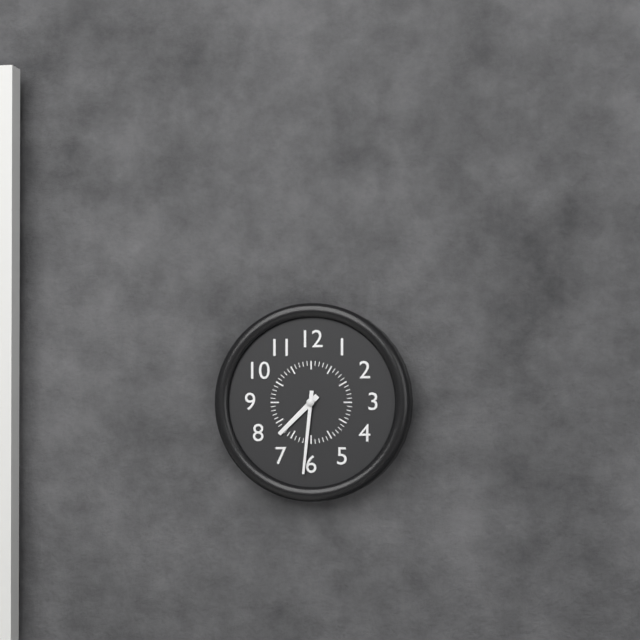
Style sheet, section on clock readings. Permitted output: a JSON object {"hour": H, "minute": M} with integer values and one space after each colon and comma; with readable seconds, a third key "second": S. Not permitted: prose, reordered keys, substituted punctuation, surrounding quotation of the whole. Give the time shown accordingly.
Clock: {"hour": 7, "minute": 31}
